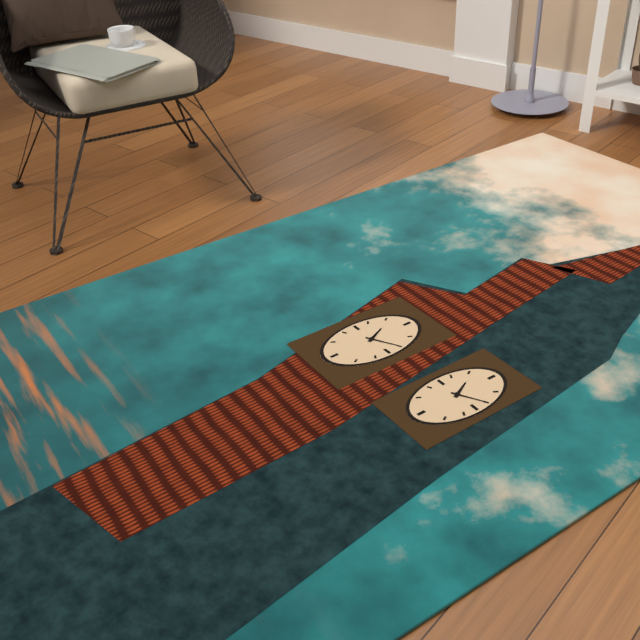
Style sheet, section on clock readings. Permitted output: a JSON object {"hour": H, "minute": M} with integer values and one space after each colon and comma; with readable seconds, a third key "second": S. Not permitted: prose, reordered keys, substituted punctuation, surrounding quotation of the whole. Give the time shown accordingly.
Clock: {"hour": 11, "minute": 10}
